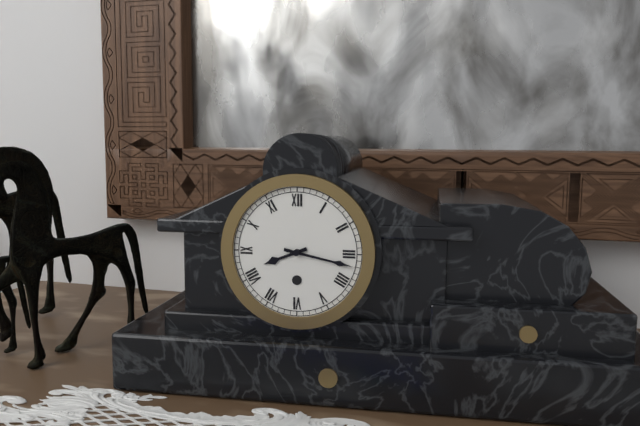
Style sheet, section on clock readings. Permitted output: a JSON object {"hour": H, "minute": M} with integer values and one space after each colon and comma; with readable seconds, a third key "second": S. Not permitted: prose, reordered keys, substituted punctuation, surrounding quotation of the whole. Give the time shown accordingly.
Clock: {"hour": 8, "minute": 17}
